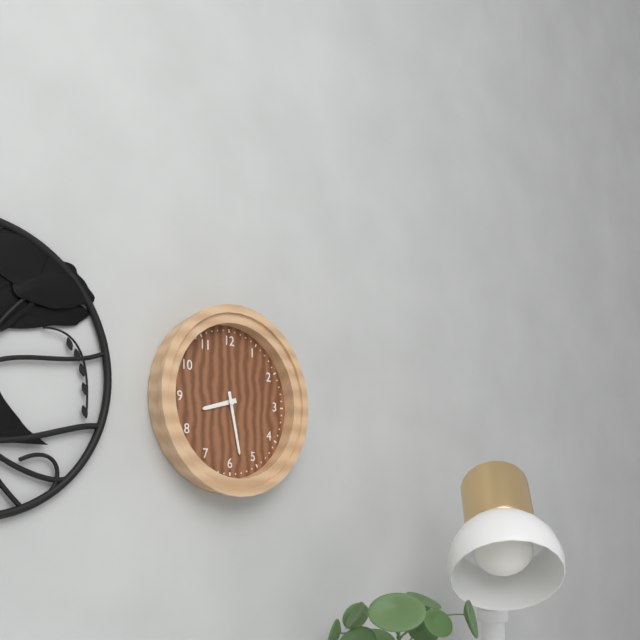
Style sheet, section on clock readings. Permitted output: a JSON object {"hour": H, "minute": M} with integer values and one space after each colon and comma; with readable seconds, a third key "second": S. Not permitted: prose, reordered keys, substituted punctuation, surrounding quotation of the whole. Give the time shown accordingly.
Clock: {"hour": 8, "minute": 28}
